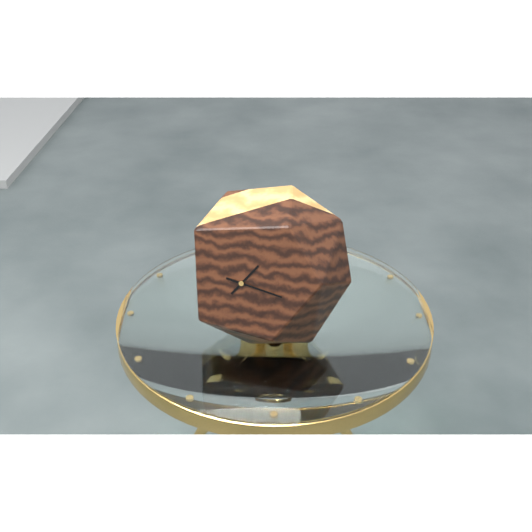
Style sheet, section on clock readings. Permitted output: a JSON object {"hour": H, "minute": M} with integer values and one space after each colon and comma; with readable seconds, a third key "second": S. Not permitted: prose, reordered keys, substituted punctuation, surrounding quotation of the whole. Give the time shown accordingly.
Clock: {"hour": 1, "minute": 17}
